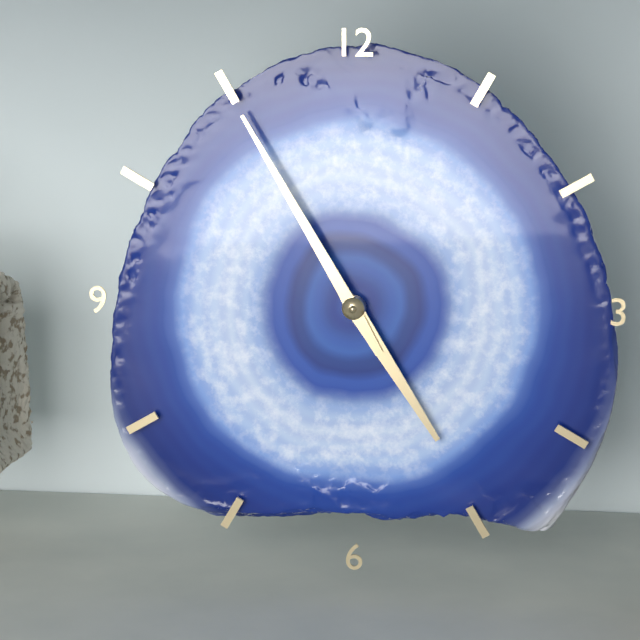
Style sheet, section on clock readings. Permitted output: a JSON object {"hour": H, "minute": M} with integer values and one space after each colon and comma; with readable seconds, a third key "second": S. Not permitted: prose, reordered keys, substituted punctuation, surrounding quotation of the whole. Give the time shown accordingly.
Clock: {"hour": 4, "minute": 55}
